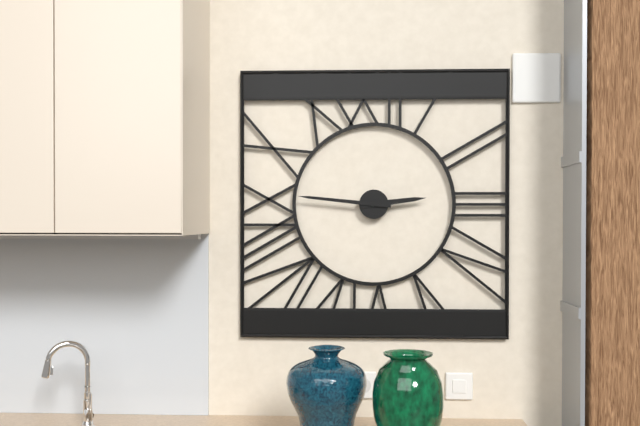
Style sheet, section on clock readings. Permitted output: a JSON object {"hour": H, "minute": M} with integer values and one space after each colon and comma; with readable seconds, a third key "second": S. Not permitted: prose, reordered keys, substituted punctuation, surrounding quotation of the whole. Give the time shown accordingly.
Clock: {"hour": 2, "minute": 46}
